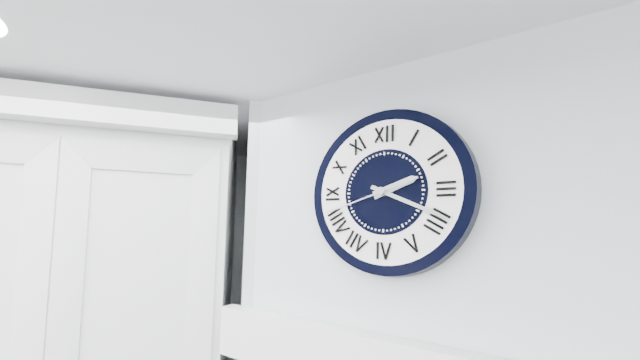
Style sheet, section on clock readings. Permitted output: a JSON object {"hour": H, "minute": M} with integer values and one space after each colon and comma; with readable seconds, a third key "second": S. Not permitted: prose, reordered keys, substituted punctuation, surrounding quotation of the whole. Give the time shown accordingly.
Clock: {"hour": 2, "minute": 19, "second": 42}
